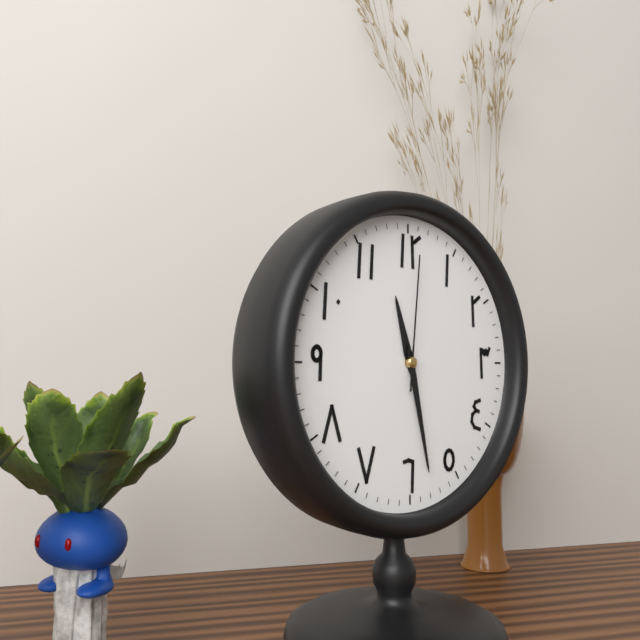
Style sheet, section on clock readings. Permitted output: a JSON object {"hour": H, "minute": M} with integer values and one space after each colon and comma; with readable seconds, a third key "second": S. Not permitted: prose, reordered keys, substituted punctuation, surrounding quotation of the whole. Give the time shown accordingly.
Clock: {"hour": 11, "minute": 28, "second": 1}
